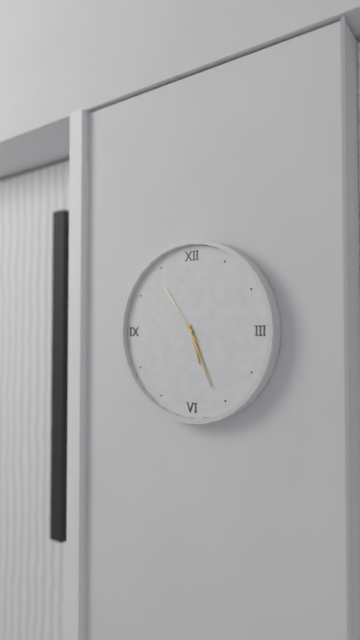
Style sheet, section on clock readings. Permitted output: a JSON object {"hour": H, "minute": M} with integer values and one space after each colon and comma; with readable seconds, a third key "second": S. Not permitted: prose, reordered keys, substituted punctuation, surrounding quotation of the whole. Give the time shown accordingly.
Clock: {"hour": 5, "minute": 26, "second": 54}
